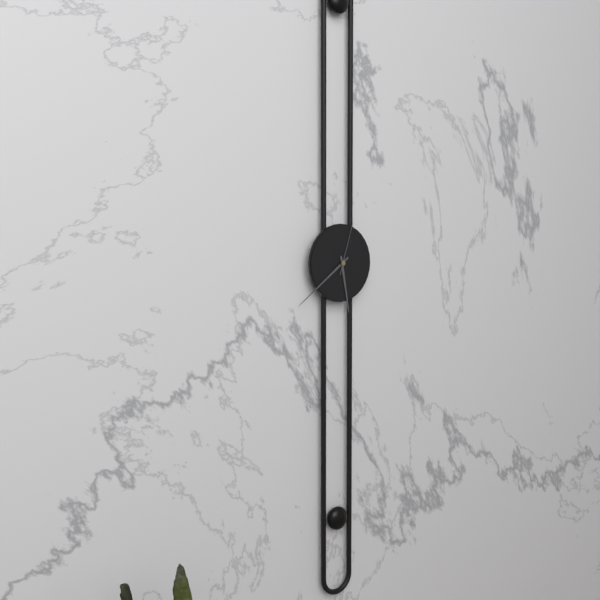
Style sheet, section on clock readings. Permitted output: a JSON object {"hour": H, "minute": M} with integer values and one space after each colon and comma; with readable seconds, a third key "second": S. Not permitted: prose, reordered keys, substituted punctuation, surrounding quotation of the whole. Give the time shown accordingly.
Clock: {"hour": 5, "minute": 39, "second": 3}
